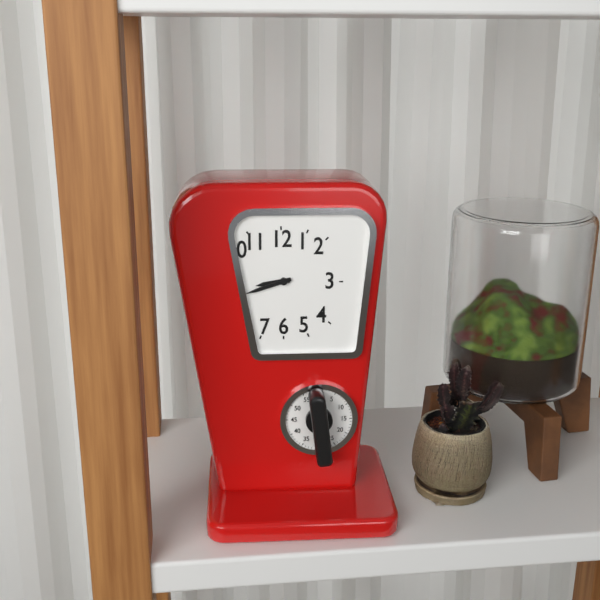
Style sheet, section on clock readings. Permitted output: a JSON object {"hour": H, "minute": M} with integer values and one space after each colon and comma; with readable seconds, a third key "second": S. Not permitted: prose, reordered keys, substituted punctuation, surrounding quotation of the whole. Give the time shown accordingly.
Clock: {"hour": 8, "minute": 42}
